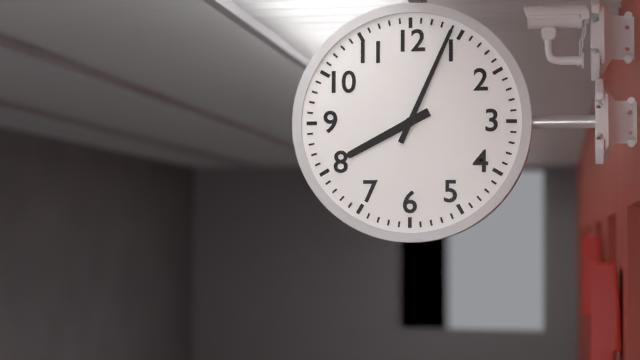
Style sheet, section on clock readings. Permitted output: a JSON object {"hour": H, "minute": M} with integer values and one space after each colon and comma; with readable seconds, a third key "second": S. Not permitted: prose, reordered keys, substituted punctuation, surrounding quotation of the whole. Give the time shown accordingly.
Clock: {"hour": 8, "minute": 4}
